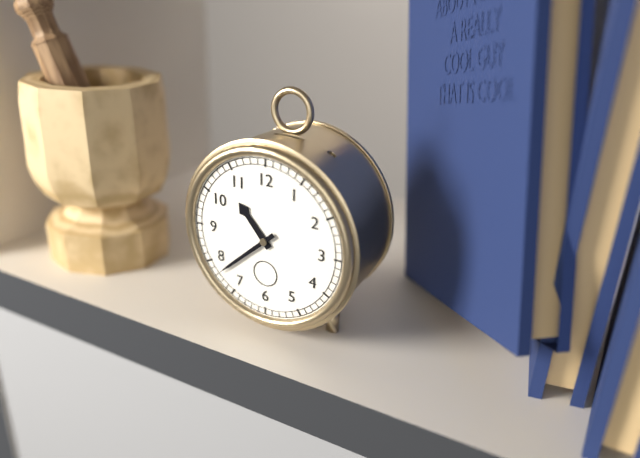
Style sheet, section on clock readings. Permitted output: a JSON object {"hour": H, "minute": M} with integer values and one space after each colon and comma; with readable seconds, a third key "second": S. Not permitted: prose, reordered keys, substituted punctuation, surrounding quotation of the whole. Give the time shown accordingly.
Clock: {"hour": 10, "minute": 38}
